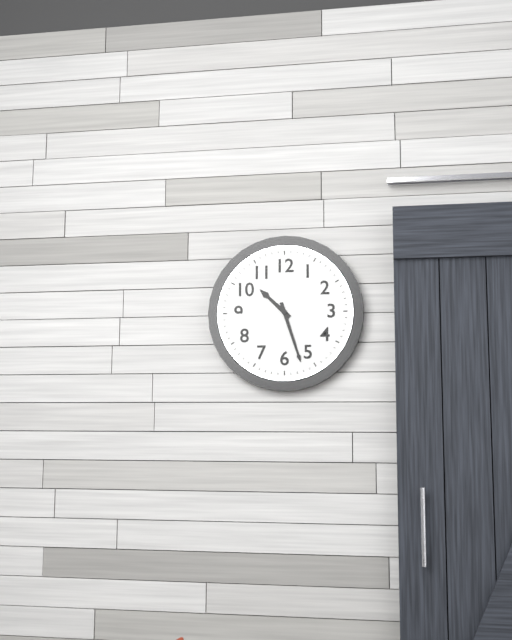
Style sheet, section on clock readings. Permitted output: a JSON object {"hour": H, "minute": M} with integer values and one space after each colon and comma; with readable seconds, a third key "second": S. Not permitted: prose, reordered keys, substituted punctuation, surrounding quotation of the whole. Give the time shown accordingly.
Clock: {"hour": 10, "minute": 27}
